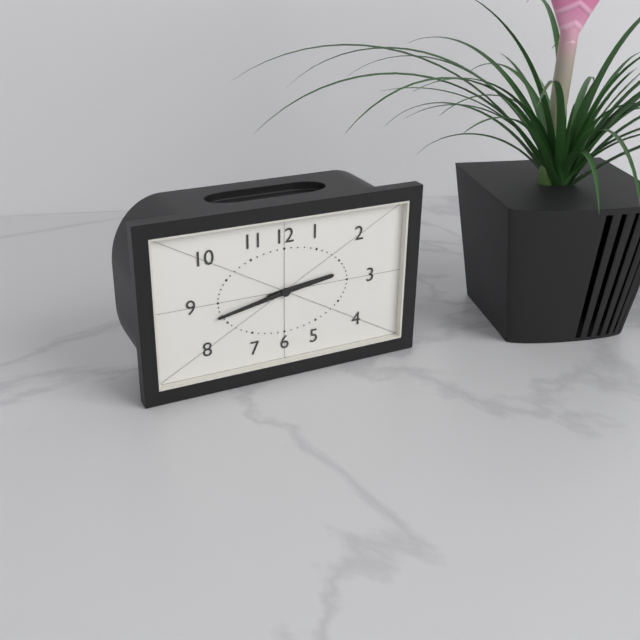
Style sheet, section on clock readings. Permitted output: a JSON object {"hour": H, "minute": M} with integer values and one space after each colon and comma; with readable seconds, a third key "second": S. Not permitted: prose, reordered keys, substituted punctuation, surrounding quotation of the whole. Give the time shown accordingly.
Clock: {"hour": 2, "minute": 43}
